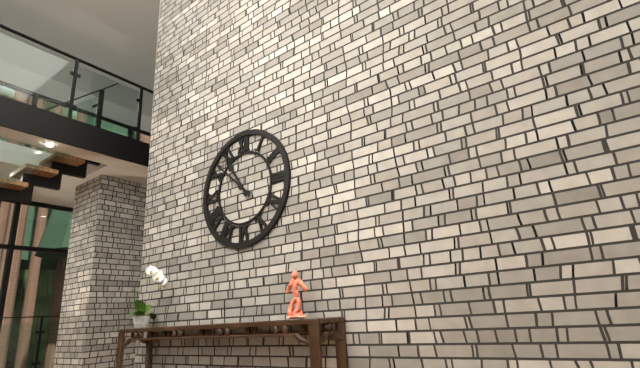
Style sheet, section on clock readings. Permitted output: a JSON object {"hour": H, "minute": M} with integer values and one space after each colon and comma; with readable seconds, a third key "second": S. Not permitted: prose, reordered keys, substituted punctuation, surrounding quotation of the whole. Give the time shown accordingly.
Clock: {"hour": 10, "minute": 52}
